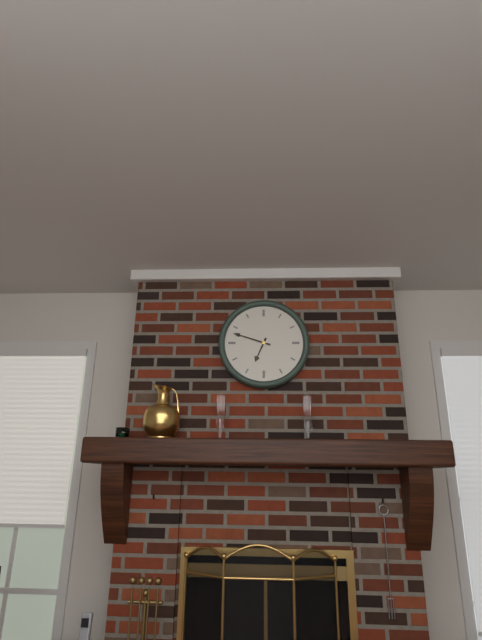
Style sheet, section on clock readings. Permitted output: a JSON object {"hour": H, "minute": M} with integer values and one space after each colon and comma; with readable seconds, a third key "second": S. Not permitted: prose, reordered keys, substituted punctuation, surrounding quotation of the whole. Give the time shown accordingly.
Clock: {"hour": 6, "minute": 48}
